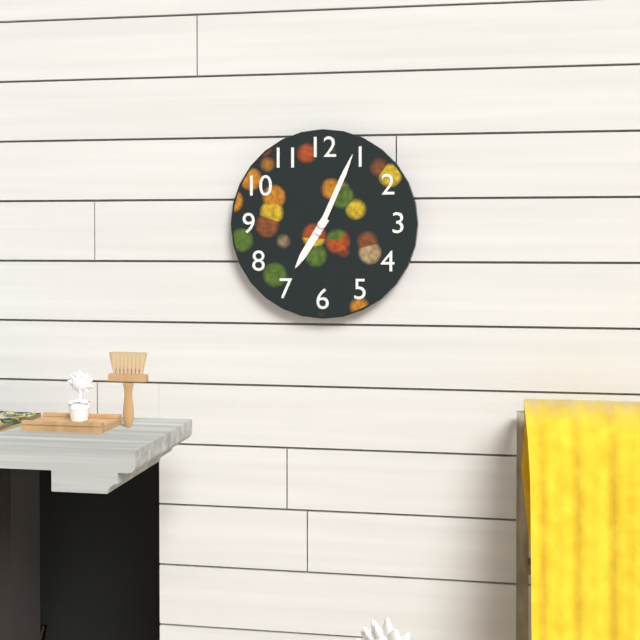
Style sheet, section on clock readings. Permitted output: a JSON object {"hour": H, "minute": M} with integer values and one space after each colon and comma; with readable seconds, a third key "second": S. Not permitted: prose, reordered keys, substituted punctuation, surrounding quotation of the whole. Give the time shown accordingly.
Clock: {"hour": 7, "minute": 4}
